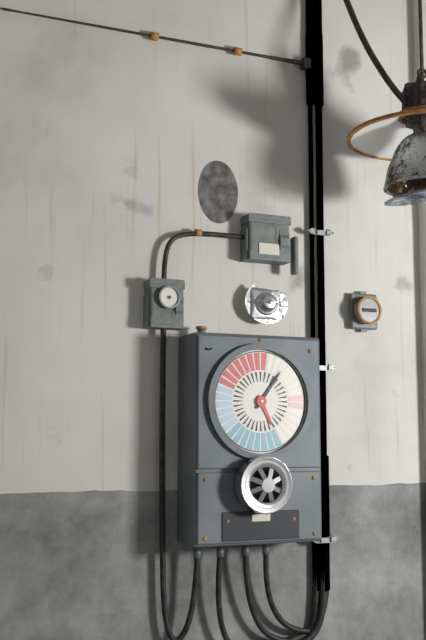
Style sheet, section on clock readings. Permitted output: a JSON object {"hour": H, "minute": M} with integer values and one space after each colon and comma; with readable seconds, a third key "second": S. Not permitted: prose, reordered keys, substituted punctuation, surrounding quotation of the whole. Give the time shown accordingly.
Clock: {"hour": 5, "minute": 6}
